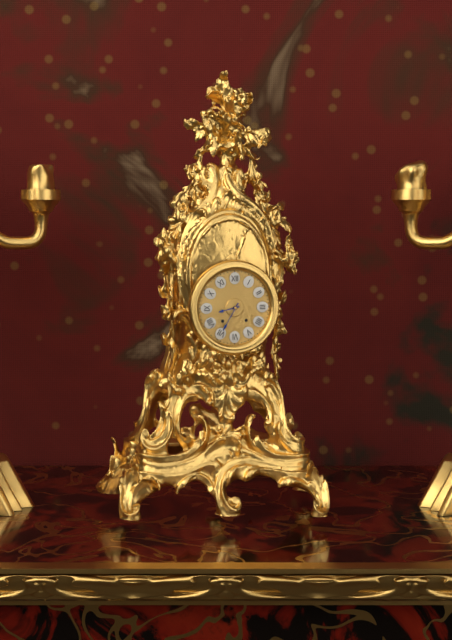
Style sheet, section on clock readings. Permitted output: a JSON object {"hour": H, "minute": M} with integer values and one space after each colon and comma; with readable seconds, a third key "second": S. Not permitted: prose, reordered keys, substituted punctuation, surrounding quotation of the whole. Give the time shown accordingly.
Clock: {"hour": 8, "minute": 35}
